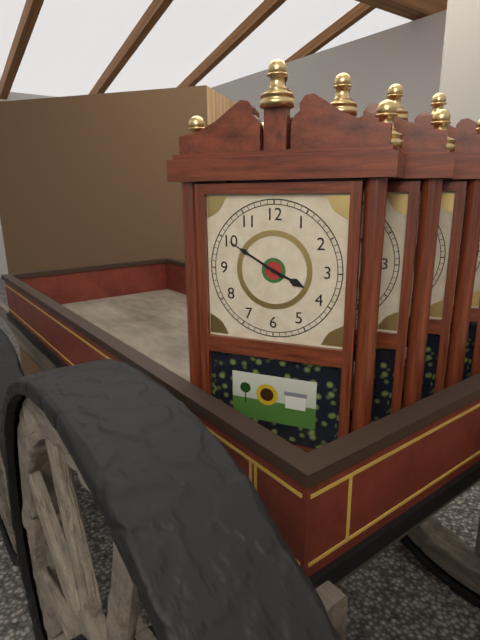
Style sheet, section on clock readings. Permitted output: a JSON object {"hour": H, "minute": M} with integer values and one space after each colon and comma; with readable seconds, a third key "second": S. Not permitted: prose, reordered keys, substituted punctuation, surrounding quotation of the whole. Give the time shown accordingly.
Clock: {"hour": 3, "minute": 50}
